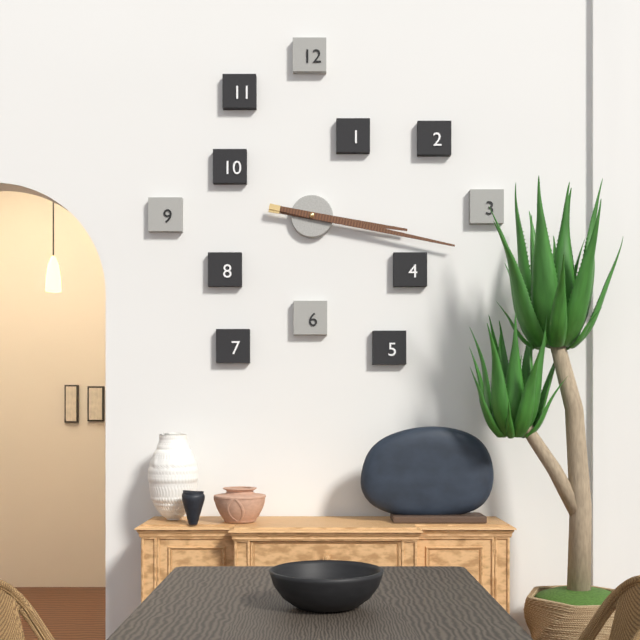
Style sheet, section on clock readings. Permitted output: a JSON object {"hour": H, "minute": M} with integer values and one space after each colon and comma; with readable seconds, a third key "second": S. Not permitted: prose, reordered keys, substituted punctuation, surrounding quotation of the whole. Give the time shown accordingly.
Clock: {"hour": 3, "minute": 17}
